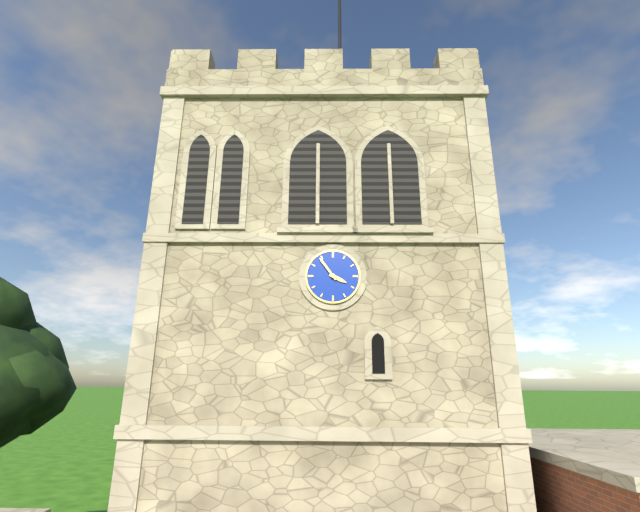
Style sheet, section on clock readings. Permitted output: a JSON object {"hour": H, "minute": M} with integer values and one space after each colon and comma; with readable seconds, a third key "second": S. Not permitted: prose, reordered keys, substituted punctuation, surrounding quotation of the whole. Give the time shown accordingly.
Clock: {"hour": 3, "minute": 54}
